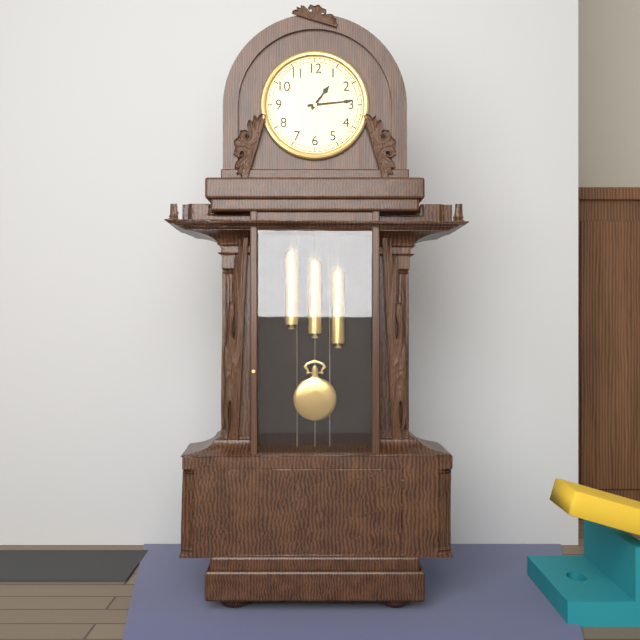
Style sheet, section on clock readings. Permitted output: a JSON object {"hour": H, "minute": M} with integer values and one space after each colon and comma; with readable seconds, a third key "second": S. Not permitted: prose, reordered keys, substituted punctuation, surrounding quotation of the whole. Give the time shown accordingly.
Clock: {"hour": 1, "minute": 14}
